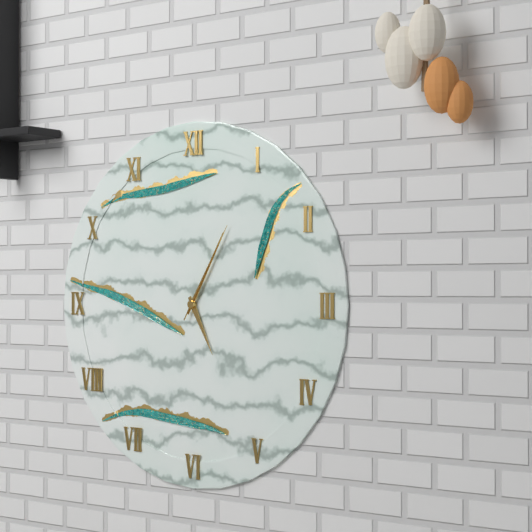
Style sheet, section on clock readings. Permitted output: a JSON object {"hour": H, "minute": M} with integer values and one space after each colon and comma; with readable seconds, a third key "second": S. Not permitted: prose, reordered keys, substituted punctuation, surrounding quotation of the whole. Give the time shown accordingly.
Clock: {"hour": 5, "minute": 5, "second": 5}
